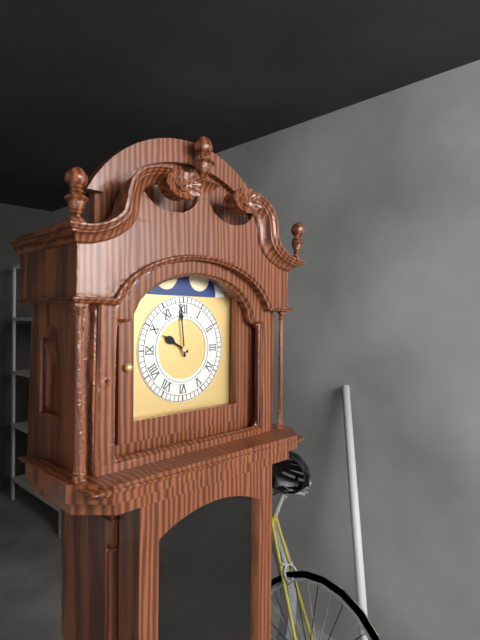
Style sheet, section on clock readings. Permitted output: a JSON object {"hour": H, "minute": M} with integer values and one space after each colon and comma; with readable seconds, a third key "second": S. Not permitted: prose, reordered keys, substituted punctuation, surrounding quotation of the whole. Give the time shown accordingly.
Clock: {"hour": 9, "minute": 59}
